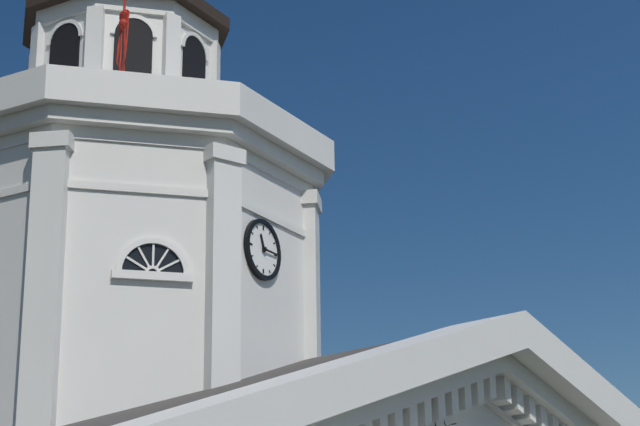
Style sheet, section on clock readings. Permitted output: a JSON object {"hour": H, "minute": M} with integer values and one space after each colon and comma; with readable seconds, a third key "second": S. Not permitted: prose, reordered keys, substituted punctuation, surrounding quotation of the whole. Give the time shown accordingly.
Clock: {"hour": 11, "minute": 15}
